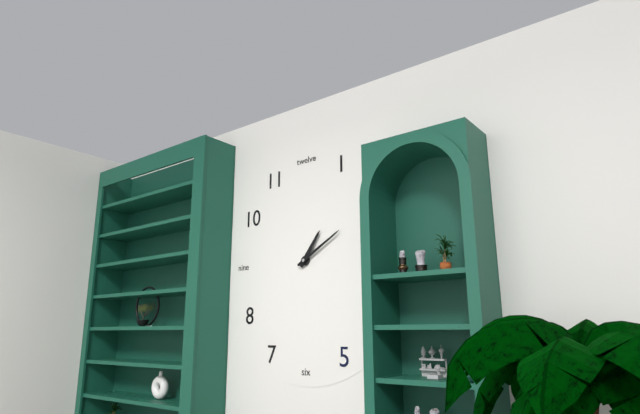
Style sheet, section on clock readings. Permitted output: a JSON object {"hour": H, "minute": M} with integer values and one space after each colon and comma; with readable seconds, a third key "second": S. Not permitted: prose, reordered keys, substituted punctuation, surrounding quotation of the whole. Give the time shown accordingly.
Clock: {"hour": 1, "minute": 10}
